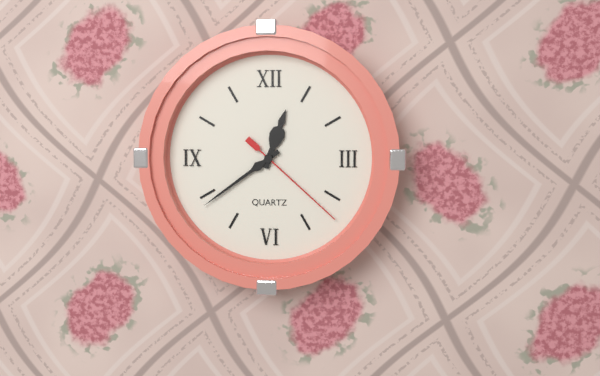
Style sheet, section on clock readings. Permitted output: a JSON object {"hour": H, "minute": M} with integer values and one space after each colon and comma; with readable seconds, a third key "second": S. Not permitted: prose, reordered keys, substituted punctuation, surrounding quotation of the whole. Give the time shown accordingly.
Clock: {"hour": 12, "minute": 39, "second": 22}
